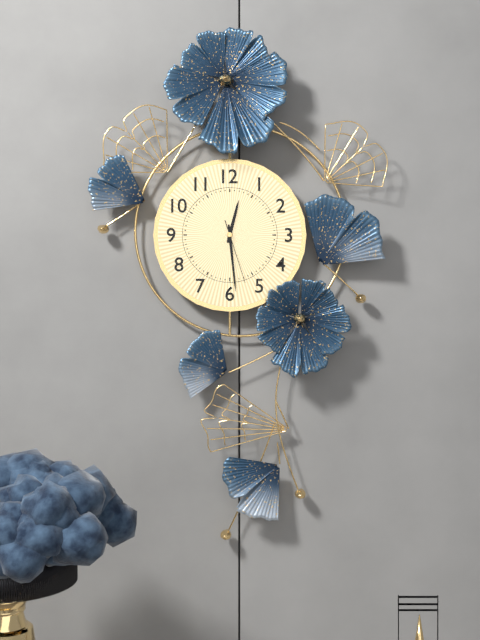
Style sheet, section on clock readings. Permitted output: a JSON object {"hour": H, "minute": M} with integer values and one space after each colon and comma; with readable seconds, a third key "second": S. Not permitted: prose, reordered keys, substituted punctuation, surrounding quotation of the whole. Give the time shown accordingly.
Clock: {"hour": 12, "minute": 29, "second": 27}
